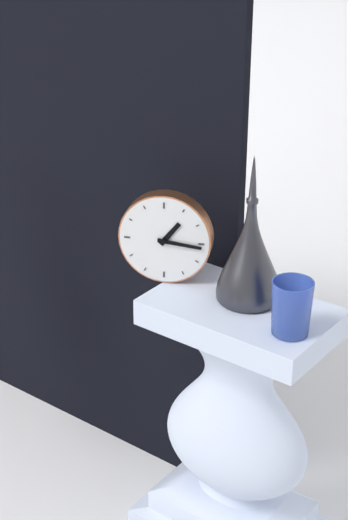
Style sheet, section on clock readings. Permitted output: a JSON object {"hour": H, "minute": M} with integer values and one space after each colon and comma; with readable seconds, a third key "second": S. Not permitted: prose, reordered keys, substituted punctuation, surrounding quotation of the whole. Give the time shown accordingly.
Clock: {"hour": 1, "minute": 16}
